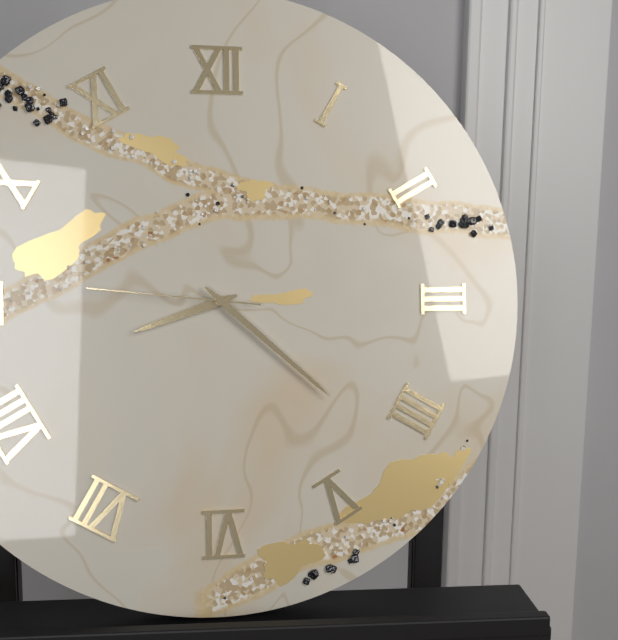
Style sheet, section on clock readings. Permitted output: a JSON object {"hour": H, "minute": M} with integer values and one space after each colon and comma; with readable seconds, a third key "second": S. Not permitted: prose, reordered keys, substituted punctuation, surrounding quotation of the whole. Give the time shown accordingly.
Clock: {"hour": 8, "minute": 22, "second": 46}
